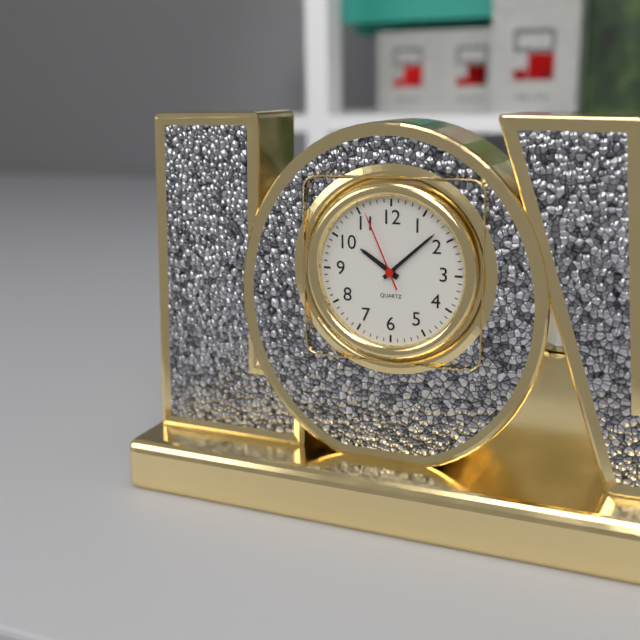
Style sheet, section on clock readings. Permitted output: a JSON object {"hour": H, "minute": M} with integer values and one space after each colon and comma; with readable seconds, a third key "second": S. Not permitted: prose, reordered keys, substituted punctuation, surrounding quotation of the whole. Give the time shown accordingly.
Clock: {"hour": 10, "minute": 8, "second": 56}
